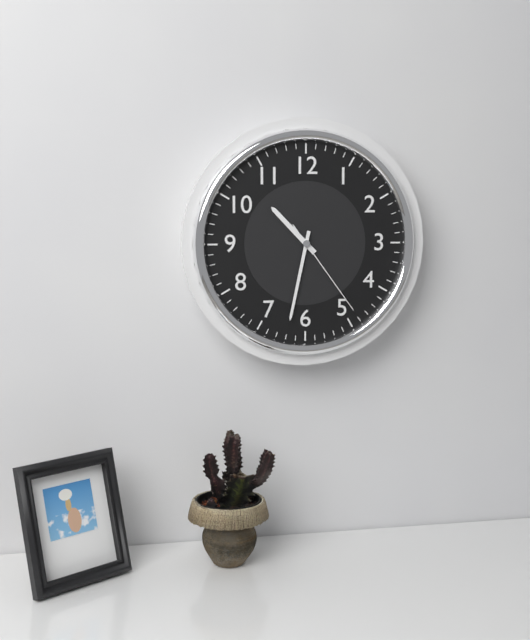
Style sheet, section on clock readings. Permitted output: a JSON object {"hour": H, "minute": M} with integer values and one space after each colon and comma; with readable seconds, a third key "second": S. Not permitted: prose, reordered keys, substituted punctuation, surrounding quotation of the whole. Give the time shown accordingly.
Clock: {"hour": 10, "minute": 32, "second": 24}
